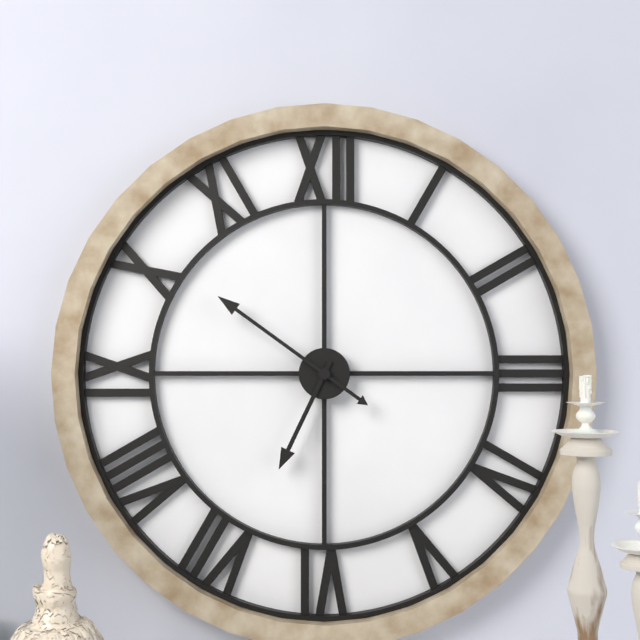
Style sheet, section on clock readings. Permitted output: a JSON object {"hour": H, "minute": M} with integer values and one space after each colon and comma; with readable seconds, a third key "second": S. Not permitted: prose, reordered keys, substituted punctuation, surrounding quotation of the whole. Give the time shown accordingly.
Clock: {"hour": 6, "minute": 51}
